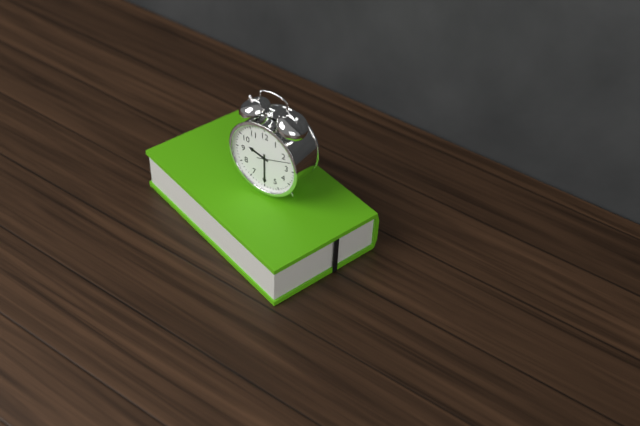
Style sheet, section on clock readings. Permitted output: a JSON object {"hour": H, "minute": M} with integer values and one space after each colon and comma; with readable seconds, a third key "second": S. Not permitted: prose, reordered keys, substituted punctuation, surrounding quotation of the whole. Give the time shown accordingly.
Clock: {"hour": 9, "minute": 30}
